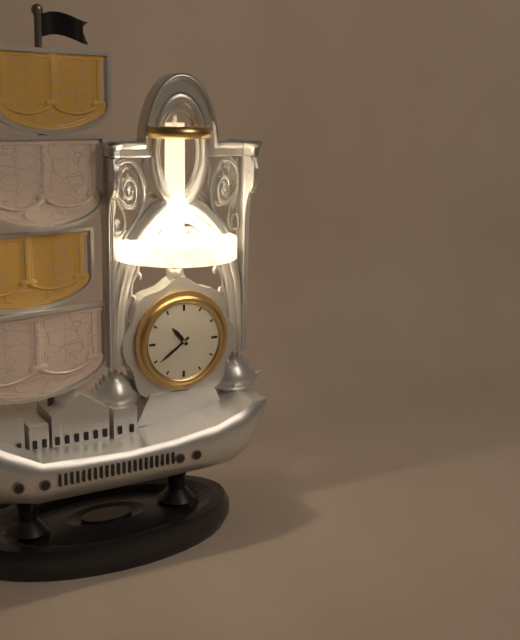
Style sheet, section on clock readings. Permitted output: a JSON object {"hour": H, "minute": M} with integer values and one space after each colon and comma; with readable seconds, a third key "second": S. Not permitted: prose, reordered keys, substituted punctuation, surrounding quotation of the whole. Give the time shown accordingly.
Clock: {"hour": 10, "minute": 39}
